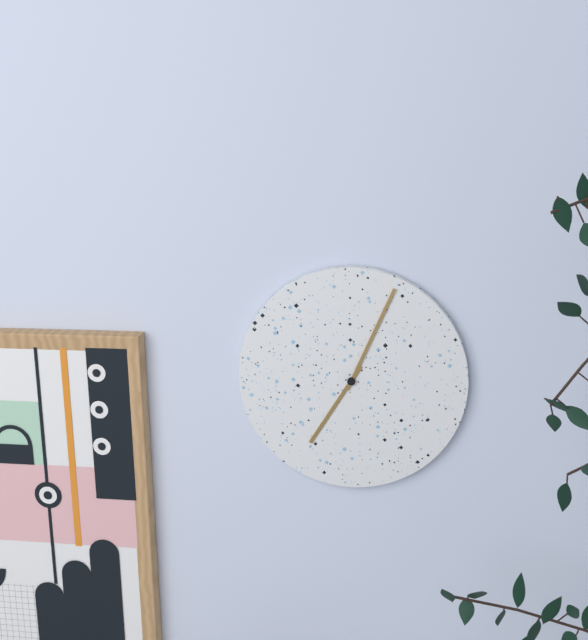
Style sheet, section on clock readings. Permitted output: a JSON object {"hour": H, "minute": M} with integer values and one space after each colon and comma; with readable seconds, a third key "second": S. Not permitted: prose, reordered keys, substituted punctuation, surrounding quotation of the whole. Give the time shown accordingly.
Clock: {"hour": 7, "minute": 4}
